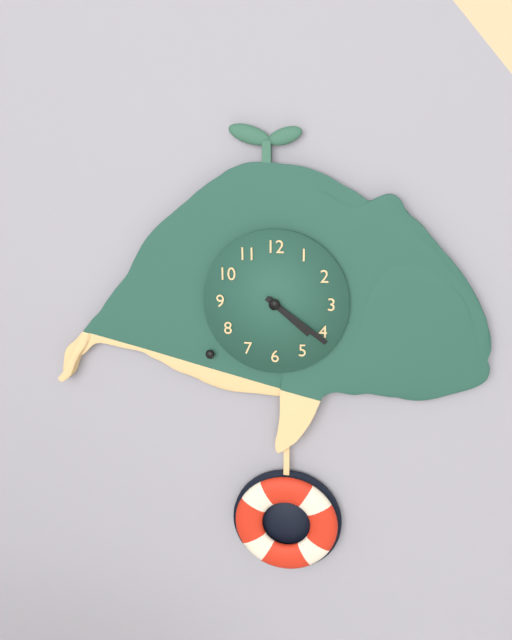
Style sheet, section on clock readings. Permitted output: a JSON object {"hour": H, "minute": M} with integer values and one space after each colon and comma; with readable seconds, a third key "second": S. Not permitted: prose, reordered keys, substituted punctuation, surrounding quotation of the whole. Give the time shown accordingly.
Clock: {"hour": 4, "minute": 21}
